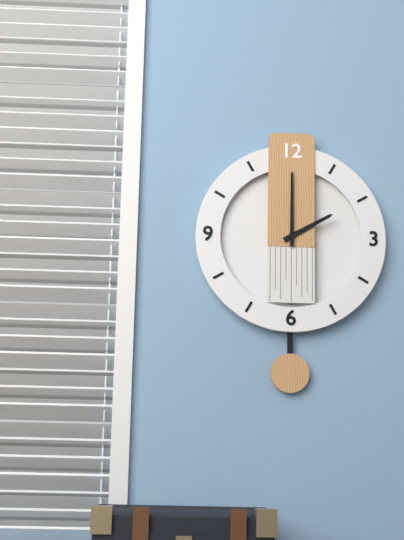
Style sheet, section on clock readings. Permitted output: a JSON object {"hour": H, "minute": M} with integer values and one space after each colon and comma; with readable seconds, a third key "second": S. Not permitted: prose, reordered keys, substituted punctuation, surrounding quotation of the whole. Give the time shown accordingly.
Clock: {"hour": 2, "minute": 0}
